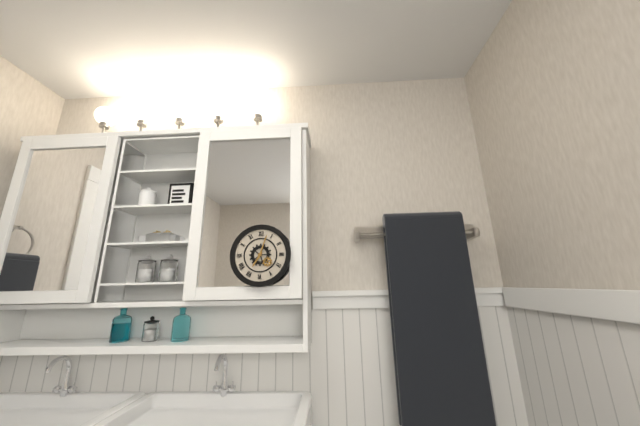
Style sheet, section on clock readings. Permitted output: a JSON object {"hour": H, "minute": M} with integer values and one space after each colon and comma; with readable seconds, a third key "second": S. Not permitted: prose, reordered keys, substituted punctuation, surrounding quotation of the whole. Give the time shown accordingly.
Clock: {"hour": 7, "minute": 3}
